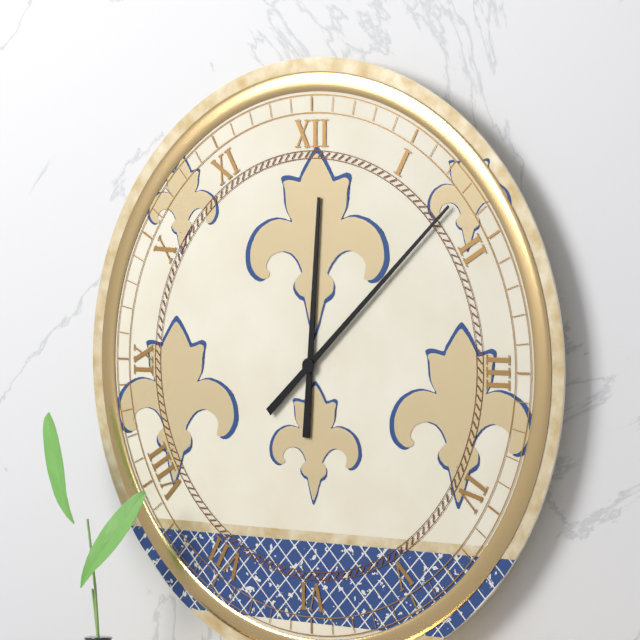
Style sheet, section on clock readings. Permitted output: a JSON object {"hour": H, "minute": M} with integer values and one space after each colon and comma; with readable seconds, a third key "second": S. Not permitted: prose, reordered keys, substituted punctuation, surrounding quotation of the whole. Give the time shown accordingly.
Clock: {"hour": 12, "minute": 8}
